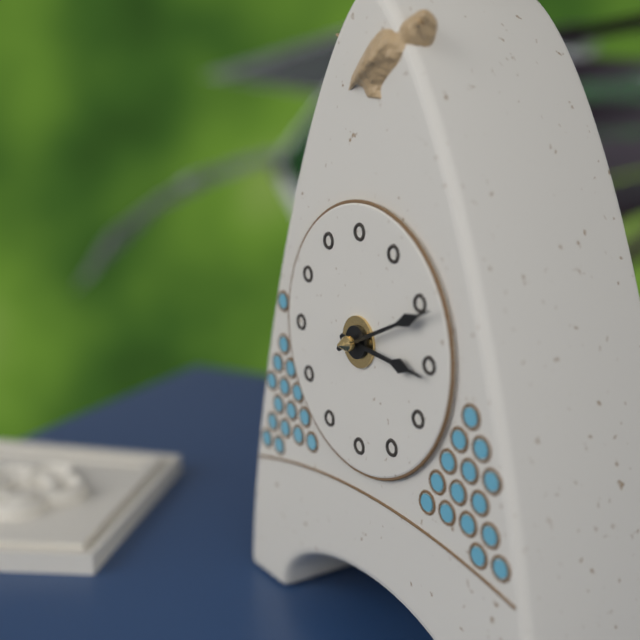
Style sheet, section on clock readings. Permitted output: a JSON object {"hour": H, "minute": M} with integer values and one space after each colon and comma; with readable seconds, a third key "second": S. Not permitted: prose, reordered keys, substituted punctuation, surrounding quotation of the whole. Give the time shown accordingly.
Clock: {"hour": 3, "minute": 11}
